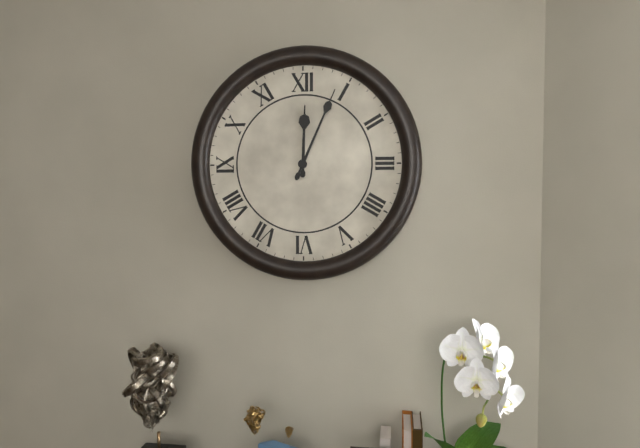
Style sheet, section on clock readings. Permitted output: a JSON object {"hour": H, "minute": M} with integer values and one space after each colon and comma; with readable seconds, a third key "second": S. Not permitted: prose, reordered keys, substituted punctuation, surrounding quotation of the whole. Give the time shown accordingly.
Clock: {"hour": 12, "minute": 4}
